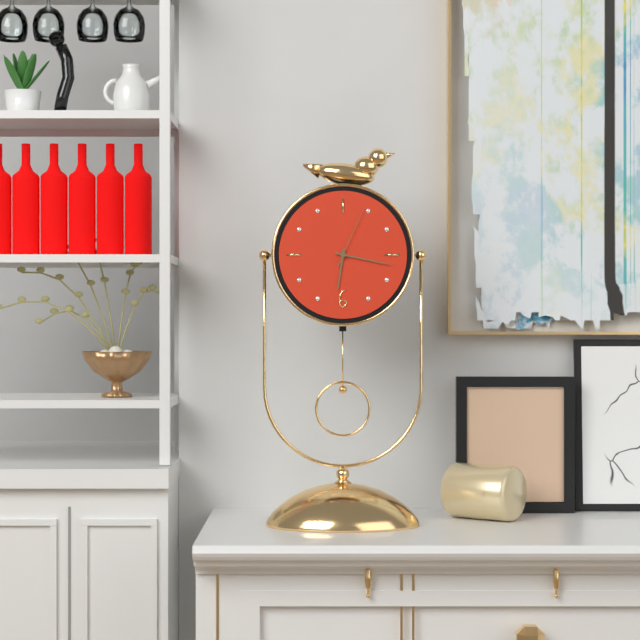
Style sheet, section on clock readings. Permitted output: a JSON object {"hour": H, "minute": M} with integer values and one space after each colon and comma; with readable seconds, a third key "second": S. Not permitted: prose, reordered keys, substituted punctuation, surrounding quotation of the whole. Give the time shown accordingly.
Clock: {"hour": 6, "minute": 17, "second": 4}
